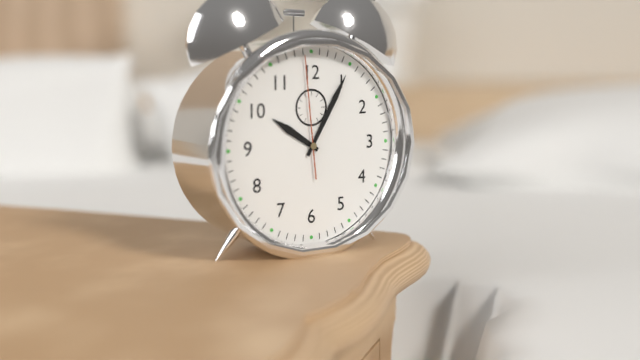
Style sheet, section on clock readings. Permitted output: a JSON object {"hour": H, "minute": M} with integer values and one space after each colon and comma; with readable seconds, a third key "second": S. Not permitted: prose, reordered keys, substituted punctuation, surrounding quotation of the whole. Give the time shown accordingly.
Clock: {"hour": 10, "minute": 5, "second": 59}
